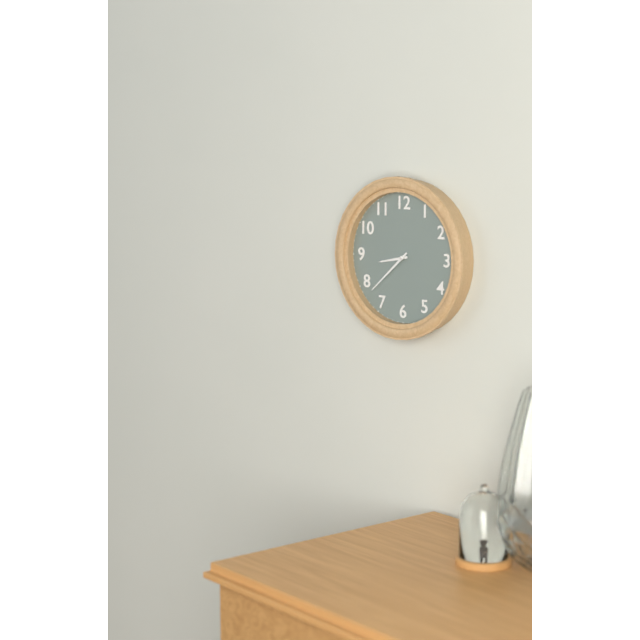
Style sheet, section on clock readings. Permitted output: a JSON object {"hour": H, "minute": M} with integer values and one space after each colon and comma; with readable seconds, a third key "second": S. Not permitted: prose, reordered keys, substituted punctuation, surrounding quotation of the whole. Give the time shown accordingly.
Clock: {"hour": 8, "minute": 38}
